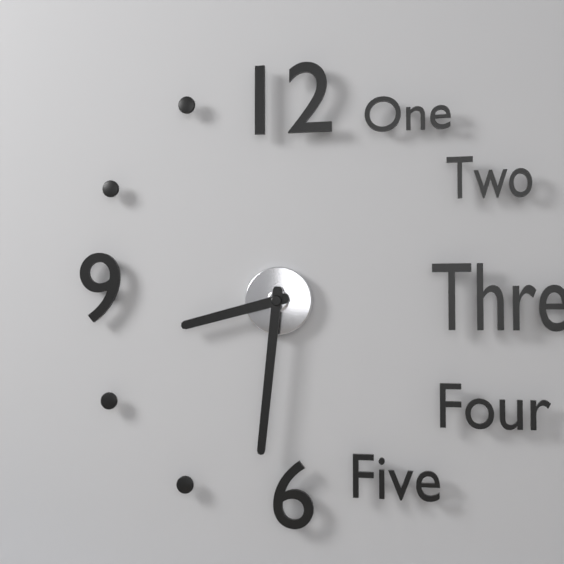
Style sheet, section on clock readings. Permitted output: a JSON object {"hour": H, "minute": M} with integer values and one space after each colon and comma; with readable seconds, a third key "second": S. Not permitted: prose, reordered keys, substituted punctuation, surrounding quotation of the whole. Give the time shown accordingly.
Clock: {"hour": 8, "minute": 31}
